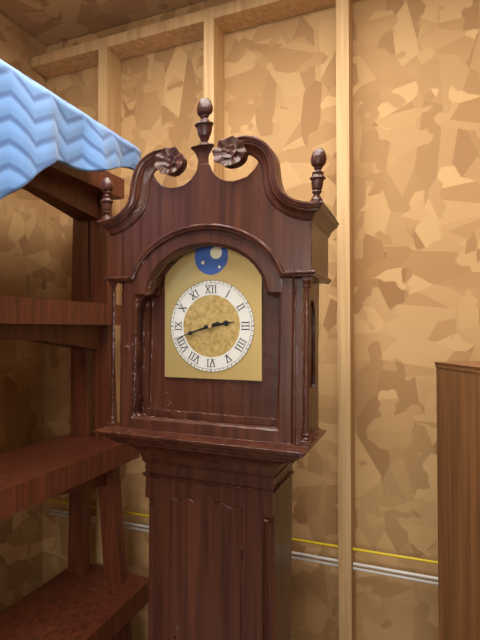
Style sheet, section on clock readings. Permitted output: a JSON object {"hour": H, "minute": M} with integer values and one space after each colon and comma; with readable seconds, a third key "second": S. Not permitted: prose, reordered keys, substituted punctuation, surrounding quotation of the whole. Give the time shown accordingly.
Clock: {"hour": 2, "minute": 42}
